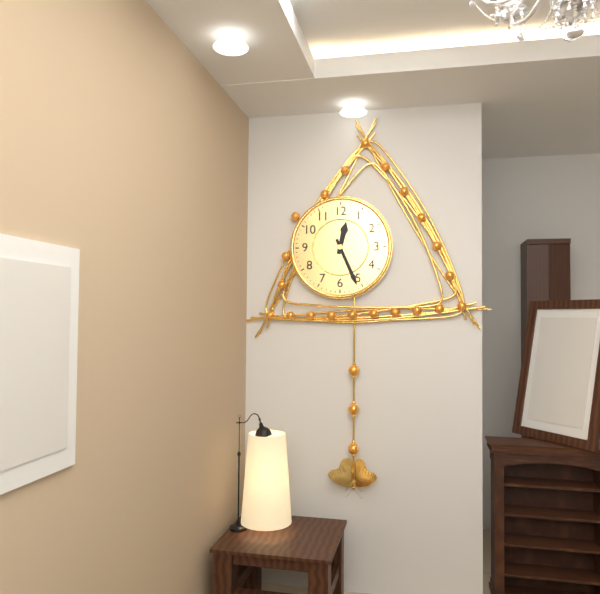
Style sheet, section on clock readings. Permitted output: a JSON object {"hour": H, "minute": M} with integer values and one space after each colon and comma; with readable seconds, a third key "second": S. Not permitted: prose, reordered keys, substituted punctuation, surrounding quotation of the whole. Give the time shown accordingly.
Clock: {"hour": 12, "minute": 26}
